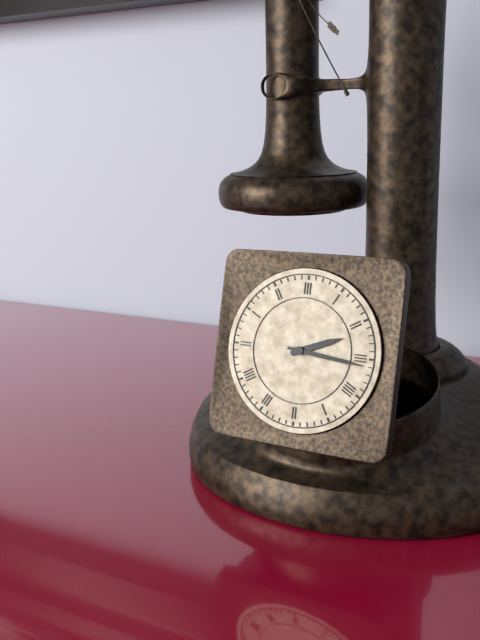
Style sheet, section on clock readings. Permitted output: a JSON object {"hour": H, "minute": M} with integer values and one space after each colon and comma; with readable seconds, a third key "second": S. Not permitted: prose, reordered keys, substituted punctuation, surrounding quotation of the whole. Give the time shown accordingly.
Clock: {"hour": 2, "minute": 16}
